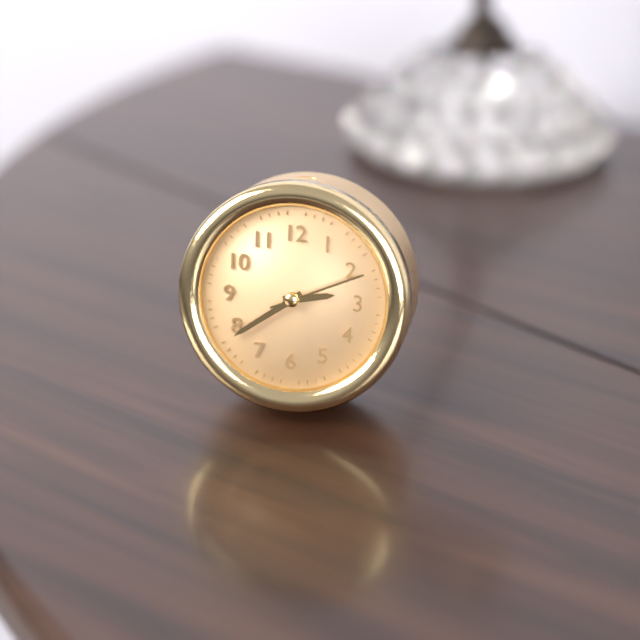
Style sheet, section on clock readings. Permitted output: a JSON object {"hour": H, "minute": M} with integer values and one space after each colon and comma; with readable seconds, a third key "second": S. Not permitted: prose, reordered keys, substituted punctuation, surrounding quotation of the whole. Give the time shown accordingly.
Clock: {"hour": 2, "minute": 39, "second": 11}
